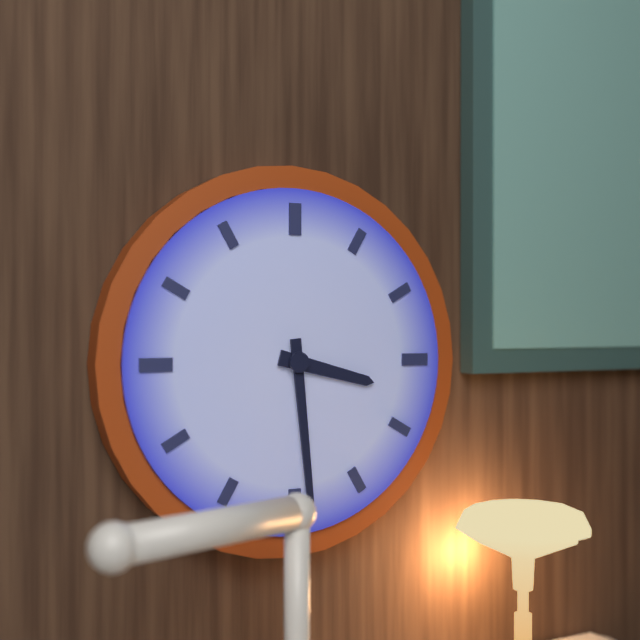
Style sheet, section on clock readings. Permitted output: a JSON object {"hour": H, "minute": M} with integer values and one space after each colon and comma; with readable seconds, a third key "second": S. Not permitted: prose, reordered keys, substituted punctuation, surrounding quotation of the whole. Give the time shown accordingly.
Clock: {"hour": 3, "minute": 29}
